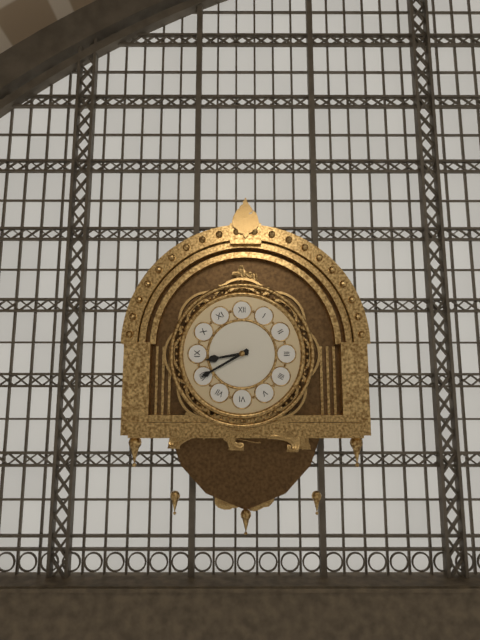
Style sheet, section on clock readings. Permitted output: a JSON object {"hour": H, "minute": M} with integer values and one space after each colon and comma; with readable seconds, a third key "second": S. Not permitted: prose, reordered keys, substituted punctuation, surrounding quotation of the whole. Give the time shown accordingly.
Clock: {"hour": 8, "minute": 40}
